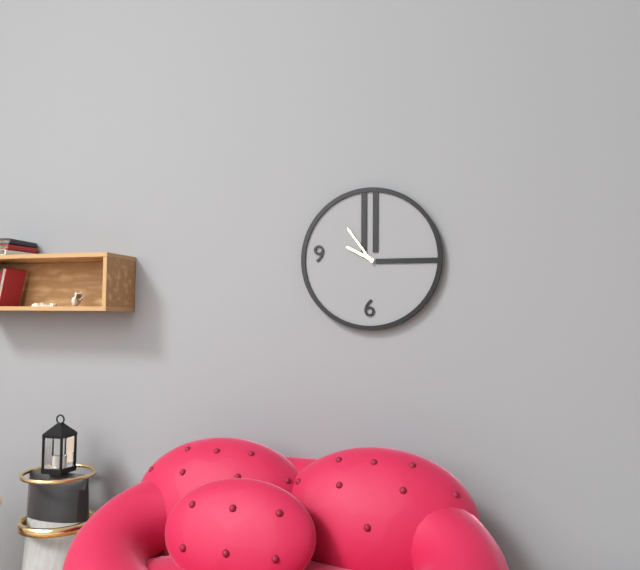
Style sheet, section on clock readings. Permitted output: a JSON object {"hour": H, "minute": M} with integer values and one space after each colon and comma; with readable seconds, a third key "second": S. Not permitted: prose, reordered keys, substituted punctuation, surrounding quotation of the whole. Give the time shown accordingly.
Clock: {"hour": 9, "minute": 54}
